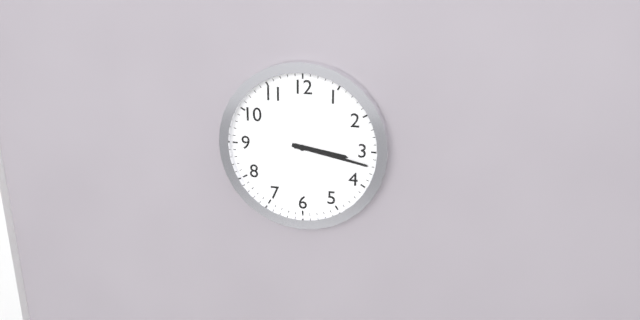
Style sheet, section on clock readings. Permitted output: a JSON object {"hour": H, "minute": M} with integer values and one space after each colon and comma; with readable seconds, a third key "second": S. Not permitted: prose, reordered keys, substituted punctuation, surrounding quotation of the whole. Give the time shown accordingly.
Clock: {"hour": 3, "minute": 17}
